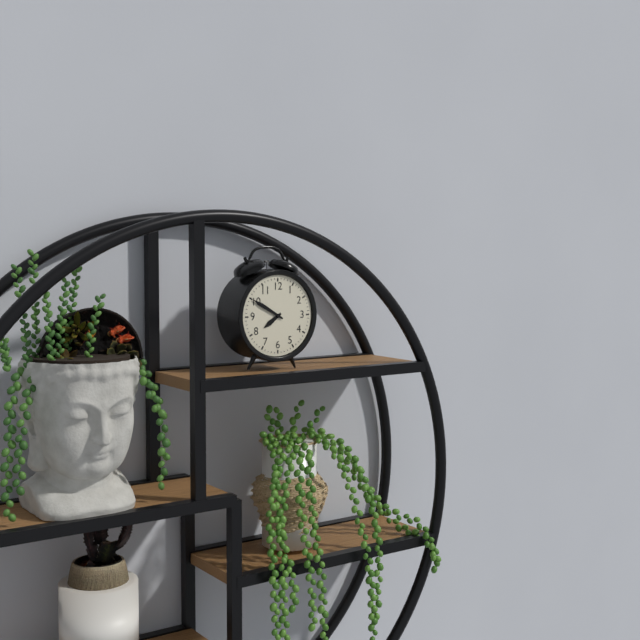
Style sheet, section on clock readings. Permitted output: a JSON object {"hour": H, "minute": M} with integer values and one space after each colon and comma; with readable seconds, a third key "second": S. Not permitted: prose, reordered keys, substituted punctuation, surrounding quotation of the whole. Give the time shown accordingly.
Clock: {"hour": 7, "minute": 50}
